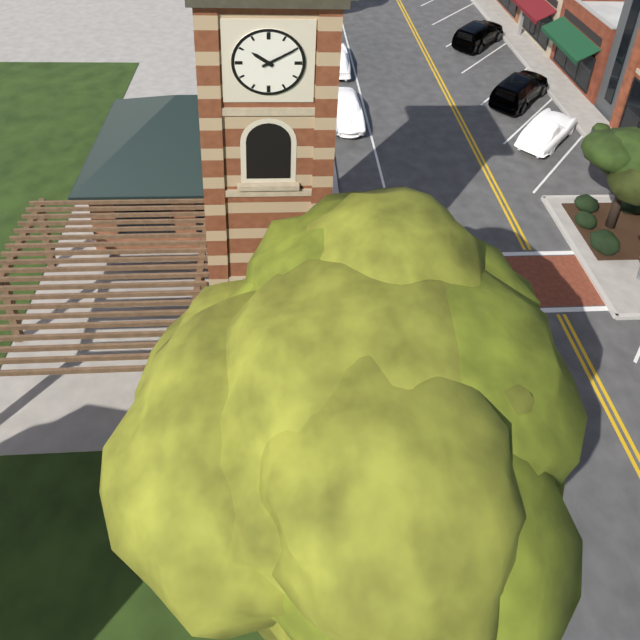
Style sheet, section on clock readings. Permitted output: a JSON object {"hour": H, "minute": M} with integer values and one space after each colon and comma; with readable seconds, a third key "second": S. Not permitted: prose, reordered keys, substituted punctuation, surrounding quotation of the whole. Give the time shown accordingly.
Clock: {"hour": 10, "minute": 10}
